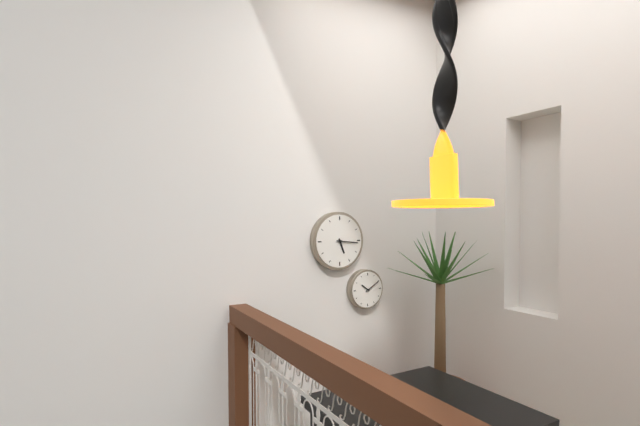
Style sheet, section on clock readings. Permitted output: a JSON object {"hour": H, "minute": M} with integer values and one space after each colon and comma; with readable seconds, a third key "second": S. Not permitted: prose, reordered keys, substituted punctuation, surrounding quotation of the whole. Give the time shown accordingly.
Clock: {"hour": 5, "minute": 16}
